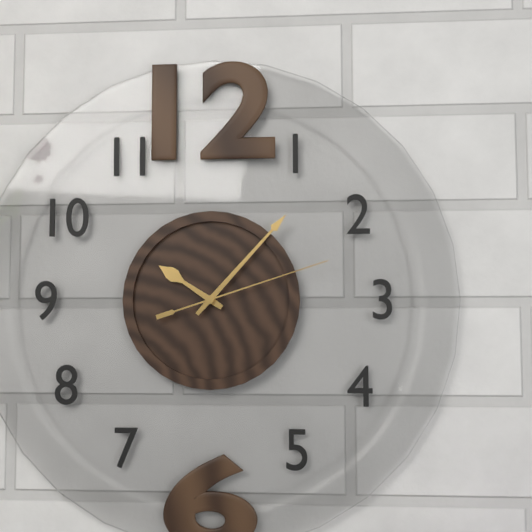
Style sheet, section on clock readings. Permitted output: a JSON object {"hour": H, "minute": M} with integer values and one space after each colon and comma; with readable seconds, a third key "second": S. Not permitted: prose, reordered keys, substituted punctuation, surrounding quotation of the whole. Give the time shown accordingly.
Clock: {"hour": 10, "minute": 7, "second": 12}
